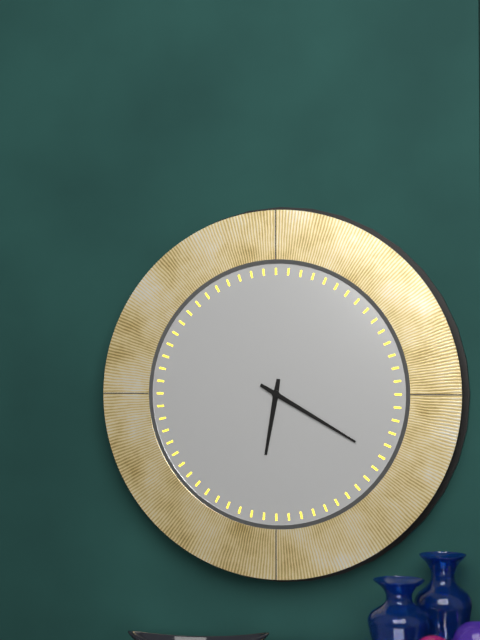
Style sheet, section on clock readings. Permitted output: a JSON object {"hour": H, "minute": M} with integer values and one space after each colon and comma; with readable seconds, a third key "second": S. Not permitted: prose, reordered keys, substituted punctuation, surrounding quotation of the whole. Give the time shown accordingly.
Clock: {"hour": 6, "minute": 20}
